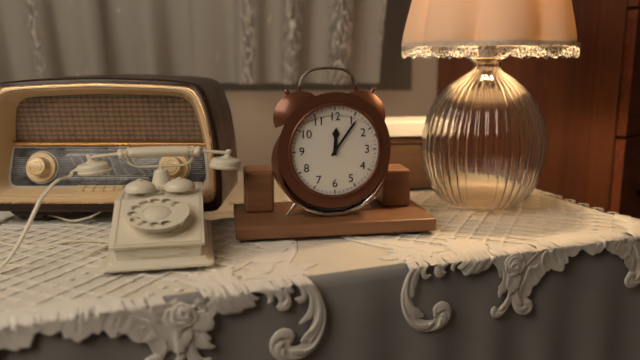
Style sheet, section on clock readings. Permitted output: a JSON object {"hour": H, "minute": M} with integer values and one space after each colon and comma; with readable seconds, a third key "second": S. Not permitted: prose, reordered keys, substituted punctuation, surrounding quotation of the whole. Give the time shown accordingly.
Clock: {"hour": 12, "minute": 6}
